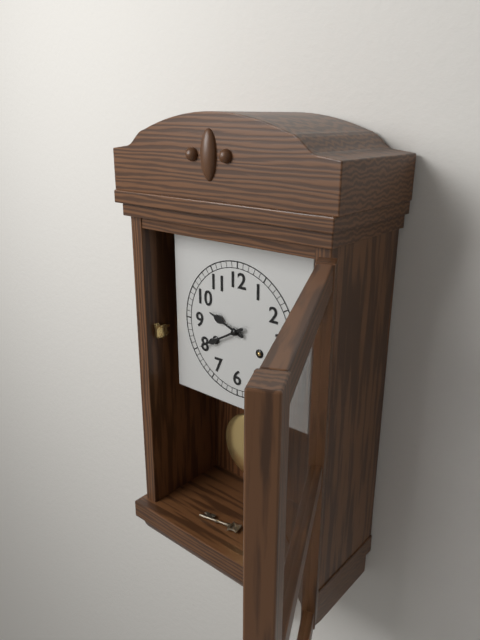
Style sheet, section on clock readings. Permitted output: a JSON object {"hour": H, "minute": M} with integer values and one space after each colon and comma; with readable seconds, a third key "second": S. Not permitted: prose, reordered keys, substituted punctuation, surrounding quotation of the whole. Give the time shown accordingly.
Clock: {"hour": 9, "minute": 40}
